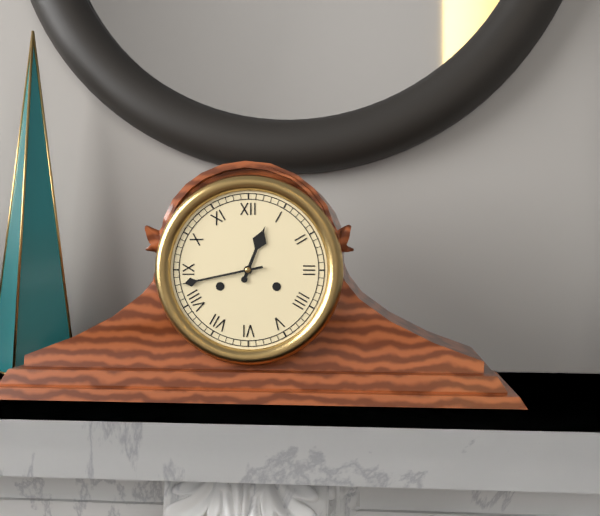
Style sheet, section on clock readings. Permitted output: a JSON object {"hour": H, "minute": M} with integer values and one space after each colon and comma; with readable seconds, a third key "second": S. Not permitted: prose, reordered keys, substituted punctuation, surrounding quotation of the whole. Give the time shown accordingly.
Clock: {"hour": 12, "minute": 43}
